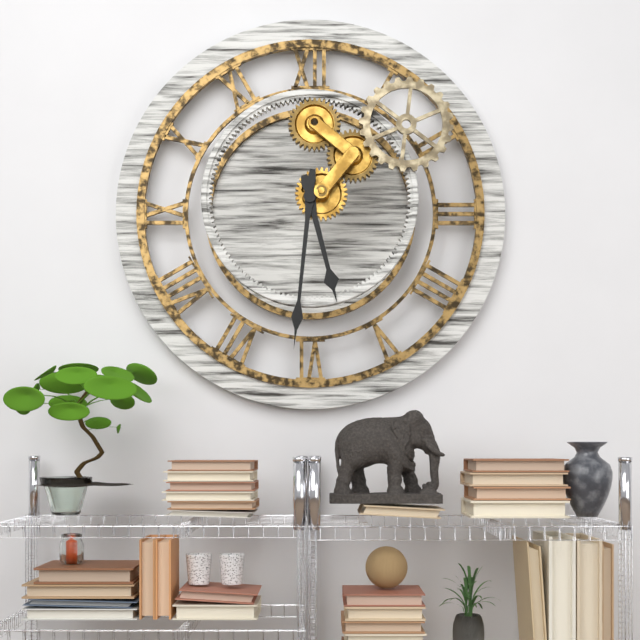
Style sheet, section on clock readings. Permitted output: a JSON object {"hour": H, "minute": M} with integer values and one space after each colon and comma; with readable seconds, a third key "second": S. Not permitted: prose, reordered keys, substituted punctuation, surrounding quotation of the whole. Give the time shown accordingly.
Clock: {"hour": 5, "minute": 31}
